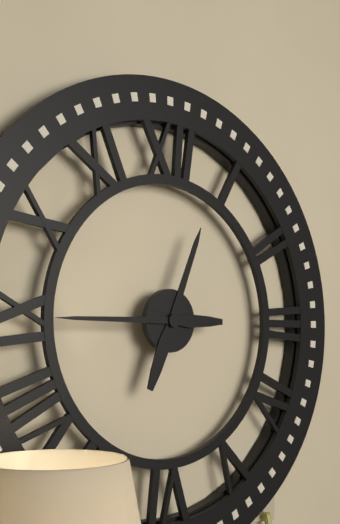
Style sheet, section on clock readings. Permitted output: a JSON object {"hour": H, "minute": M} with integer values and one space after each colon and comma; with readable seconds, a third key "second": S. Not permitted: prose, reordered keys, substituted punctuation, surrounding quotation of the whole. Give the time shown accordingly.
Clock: {"hour": 12, "minute": 45}
